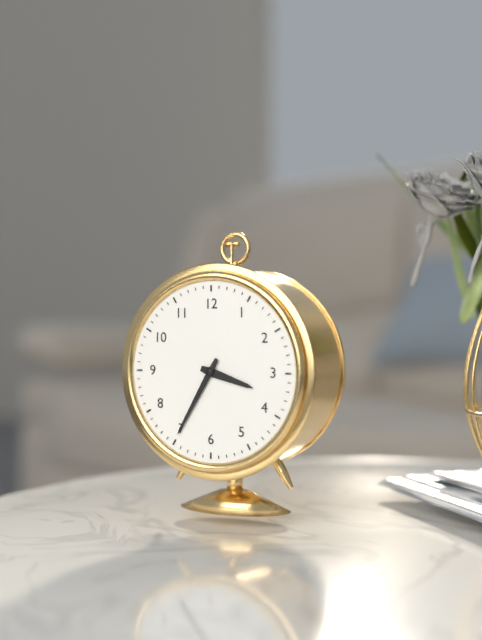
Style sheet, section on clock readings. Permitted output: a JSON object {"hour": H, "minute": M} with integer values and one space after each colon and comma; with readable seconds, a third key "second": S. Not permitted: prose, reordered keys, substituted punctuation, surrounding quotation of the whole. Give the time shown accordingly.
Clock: {"hour": 3, "minute": 35}
